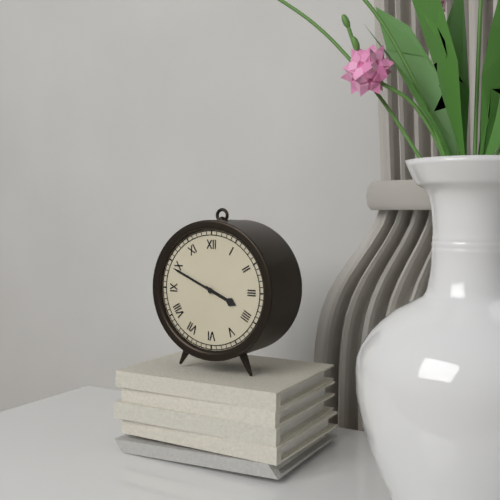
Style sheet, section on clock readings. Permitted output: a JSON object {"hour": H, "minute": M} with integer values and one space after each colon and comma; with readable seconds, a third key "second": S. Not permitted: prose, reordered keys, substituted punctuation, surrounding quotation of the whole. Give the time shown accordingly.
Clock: {"hour": 3, "minute": 49}
